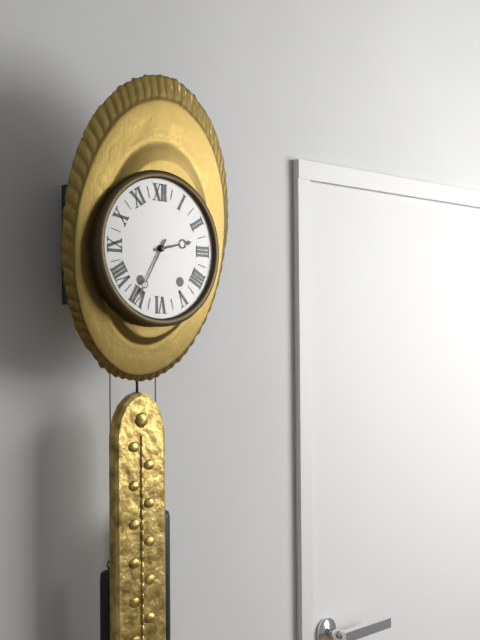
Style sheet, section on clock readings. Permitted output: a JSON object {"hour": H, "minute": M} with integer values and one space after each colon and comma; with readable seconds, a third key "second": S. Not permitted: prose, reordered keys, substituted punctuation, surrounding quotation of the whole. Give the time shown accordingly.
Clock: {"hour": 2, "minute": 35}
